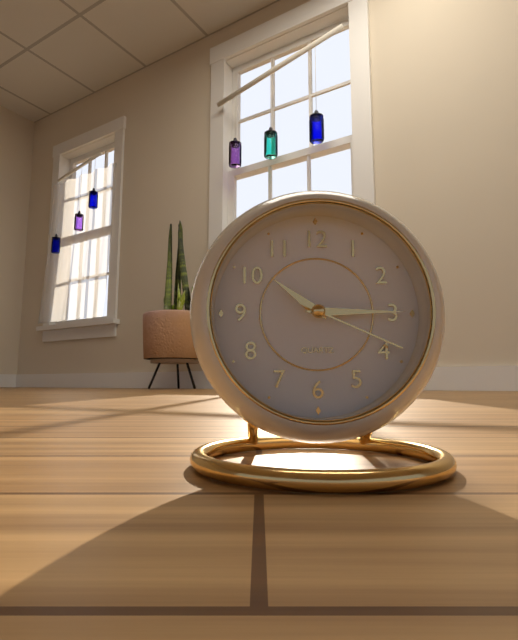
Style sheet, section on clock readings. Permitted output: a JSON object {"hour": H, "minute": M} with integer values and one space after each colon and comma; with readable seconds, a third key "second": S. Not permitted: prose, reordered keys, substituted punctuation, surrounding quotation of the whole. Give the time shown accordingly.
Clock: {"hour": 10, "minute": 15, "second": 19}
